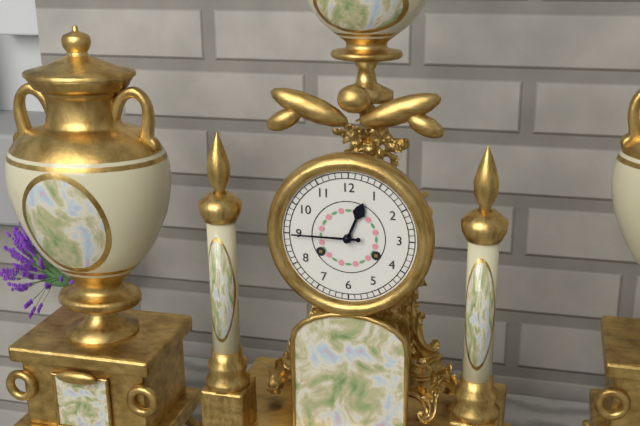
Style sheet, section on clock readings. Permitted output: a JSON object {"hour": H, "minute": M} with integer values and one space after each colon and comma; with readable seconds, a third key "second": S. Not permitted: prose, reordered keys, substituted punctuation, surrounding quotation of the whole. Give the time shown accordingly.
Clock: {"hour": 12, "minute": 45}
